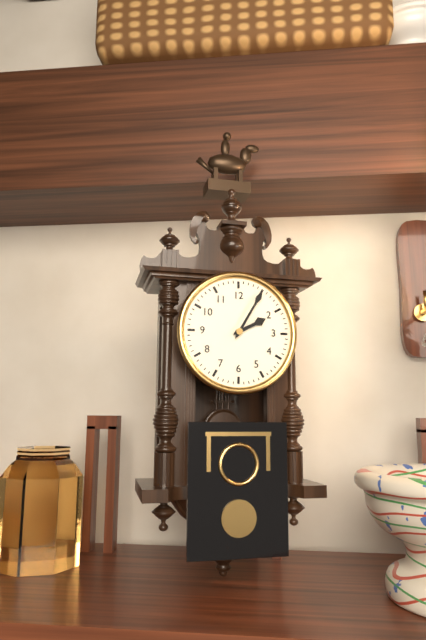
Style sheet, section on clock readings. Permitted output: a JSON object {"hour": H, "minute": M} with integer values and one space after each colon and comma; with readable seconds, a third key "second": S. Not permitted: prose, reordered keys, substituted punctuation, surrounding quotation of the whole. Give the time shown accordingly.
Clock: {"hour": 2, "minute": 5}
